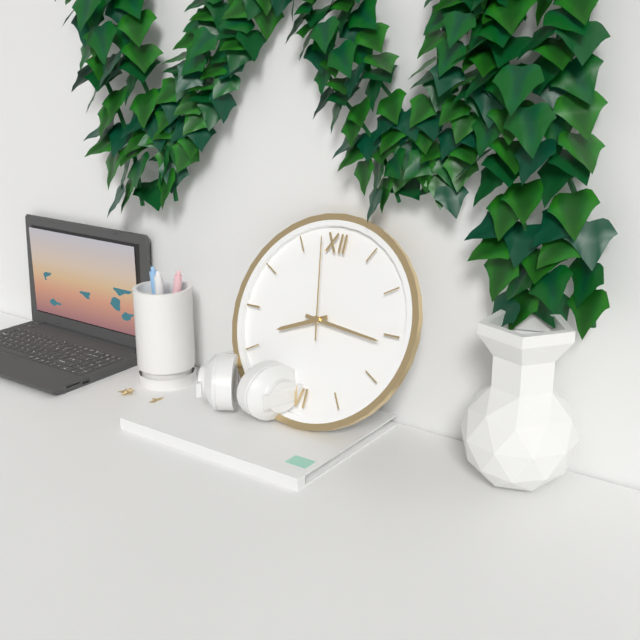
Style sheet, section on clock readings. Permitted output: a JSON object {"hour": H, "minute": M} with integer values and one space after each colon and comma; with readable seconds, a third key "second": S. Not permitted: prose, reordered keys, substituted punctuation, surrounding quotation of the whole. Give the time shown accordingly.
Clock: {"hour": 8, "minute": 16, "second": 58}
